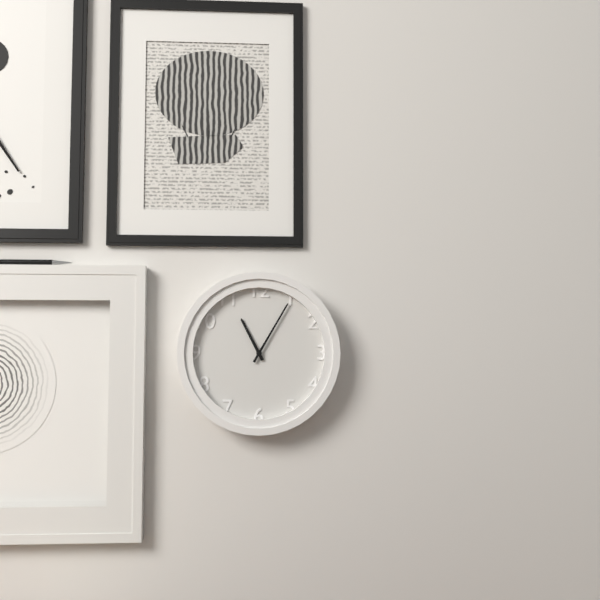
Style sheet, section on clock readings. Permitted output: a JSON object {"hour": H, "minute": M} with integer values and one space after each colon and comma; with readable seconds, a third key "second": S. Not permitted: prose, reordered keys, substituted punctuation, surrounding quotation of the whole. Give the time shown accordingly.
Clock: {"hour": 11, "minute": 5}
